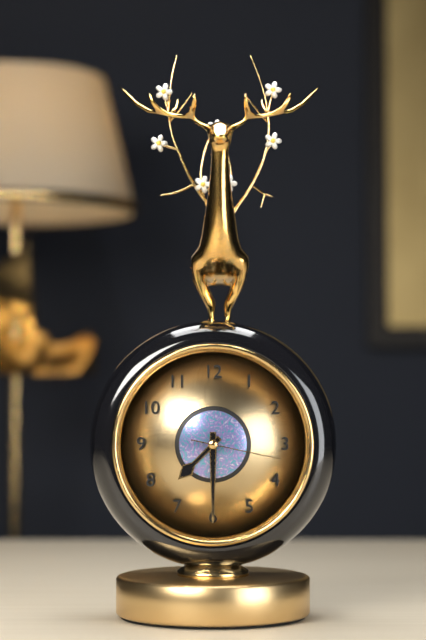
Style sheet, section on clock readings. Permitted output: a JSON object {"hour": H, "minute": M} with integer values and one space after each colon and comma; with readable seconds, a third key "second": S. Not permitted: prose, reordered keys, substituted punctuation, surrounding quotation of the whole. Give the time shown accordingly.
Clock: {"hour": 7, "minute": 30, "second": 17}
